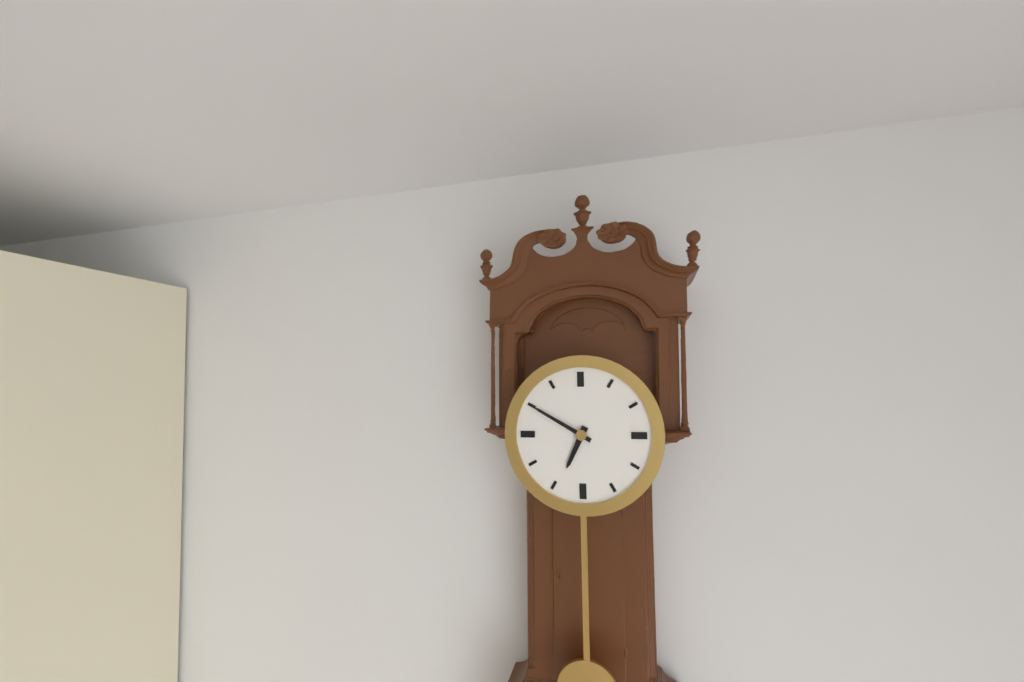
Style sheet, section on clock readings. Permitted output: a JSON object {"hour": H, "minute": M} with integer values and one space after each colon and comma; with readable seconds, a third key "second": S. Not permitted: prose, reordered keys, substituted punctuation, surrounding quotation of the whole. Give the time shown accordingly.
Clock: {"hour": 6, "minute": 50}
